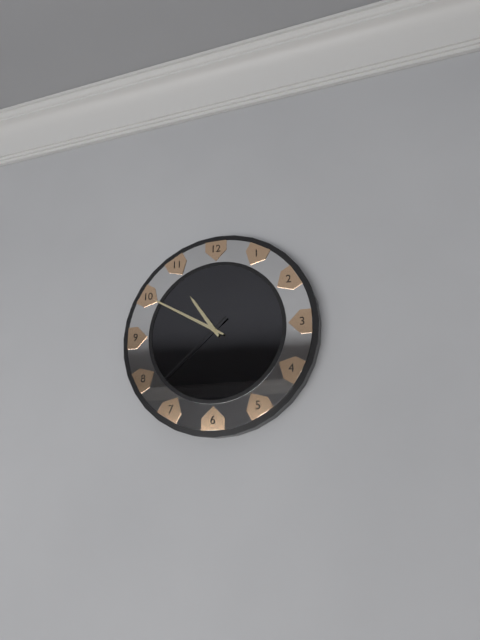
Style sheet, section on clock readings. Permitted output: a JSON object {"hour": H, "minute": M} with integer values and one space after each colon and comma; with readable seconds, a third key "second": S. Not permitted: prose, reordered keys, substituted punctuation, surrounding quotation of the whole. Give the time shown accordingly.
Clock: {"hour": 10, "minute": 50, "second": 38}
